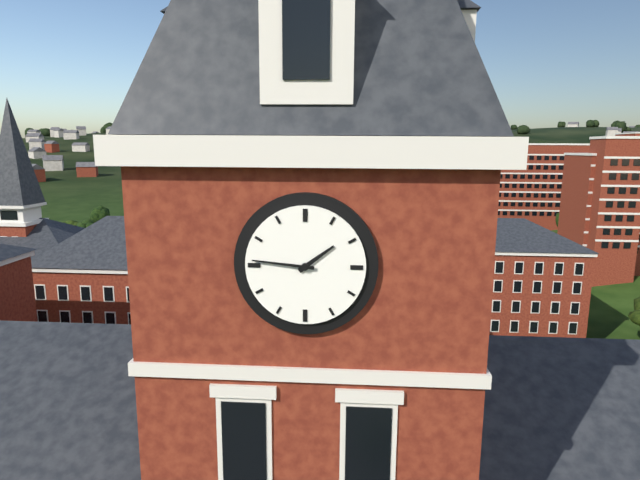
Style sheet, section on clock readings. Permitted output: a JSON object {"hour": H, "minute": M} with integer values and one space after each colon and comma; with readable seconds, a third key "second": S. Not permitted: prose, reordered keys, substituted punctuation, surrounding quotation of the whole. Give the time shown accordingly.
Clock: {"hour": 1, "minute": 46}
